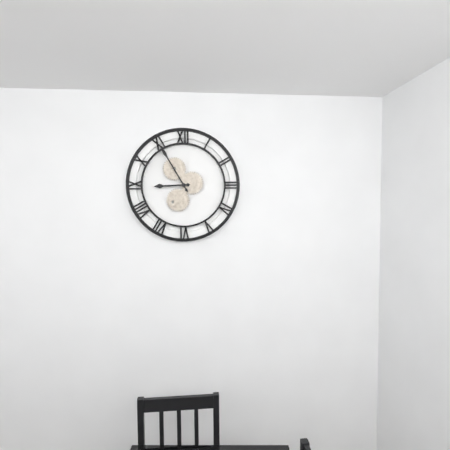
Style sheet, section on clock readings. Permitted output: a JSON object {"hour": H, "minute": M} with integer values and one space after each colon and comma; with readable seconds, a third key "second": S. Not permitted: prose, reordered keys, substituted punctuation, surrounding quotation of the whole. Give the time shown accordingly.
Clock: {"hour": 8, "minute": 55}
